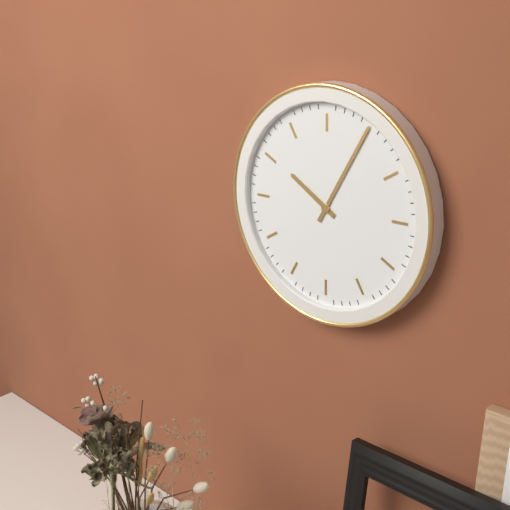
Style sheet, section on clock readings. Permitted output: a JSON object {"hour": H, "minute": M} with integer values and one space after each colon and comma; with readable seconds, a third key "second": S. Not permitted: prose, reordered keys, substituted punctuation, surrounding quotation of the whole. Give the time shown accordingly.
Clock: {"hour": 10, "minute": 5}
